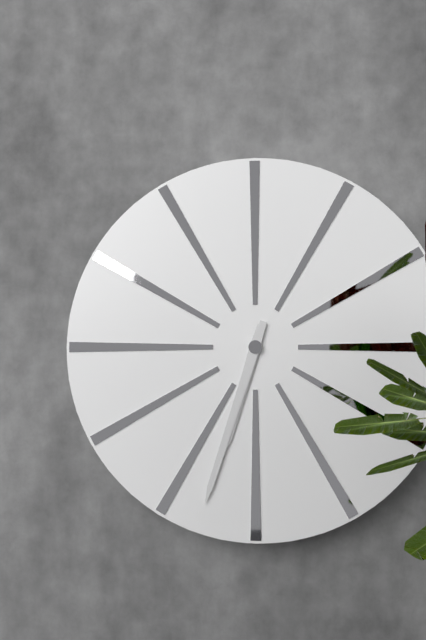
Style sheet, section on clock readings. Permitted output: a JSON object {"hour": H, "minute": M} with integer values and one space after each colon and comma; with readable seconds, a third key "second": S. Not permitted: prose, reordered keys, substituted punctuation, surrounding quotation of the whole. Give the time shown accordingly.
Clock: {"hour": 6, "minute": 33}
